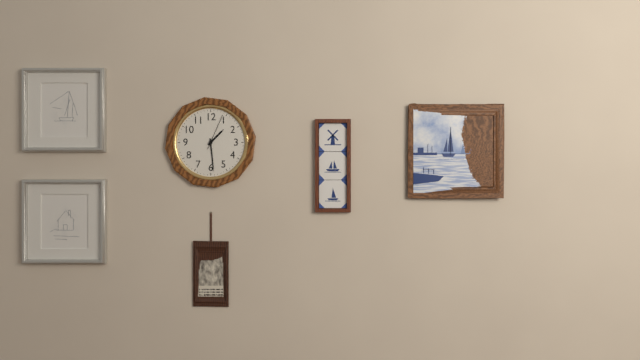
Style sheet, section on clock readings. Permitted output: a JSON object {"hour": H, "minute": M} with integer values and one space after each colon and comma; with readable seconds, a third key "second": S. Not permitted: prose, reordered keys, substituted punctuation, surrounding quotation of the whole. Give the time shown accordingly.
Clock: {"hour": 1, "minute": 29}
